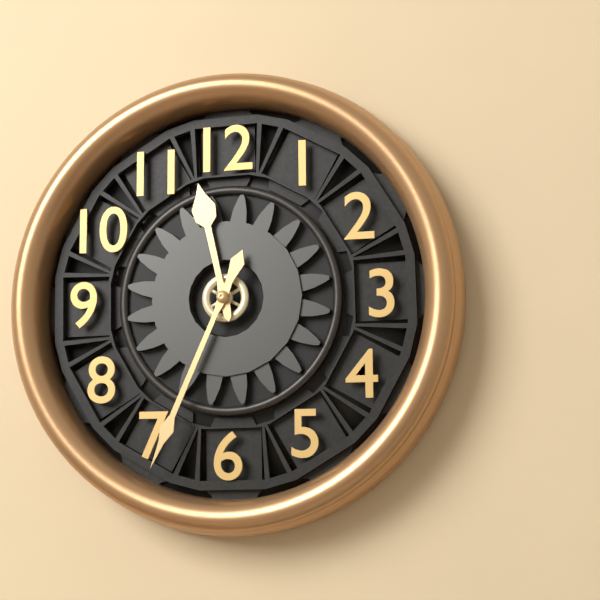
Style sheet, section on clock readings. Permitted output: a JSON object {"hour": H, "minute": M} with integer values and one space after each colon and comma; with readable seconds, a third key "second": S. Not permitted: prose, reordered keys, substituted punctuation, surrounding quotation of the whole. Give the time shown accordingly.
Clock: {"hour": 11, "minute": 34}
